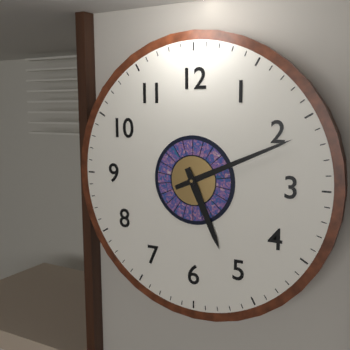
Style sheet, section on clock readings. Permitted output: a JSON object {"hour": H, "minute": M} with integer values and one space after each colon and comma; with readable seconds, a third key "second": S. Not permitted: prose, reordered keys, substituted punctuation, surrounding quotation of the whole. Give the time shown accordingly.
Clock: {"hour": 5, "minute": 11}
